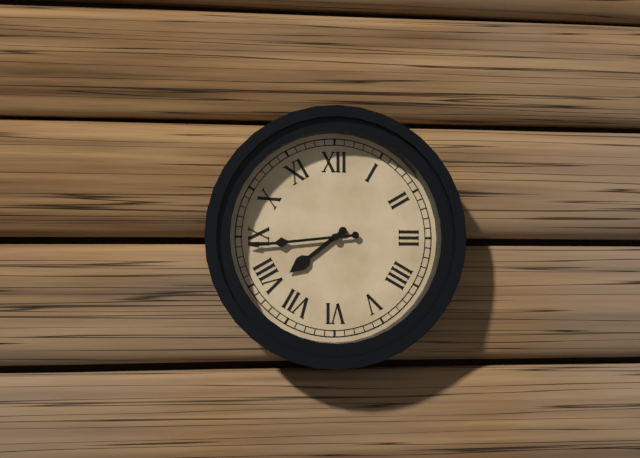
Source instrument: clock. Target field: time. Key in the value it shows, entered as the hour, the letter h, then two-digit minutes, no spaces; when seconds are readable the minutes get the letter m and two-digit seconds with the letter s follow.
7h44
